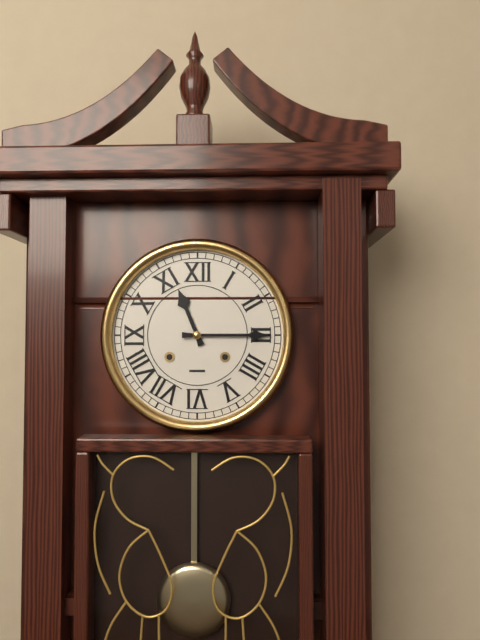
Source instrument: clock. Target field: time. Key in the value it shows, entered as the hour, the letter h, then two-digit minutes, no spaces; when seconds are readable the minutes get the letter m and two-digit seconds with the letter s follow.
11h15
